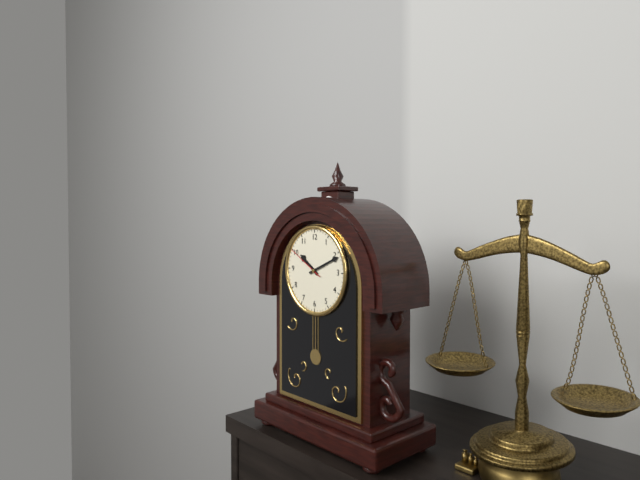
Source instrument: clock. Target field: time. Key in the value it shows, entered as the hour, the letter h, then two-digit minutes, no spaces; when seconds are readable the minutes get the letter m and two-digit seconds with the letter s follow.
10h11
